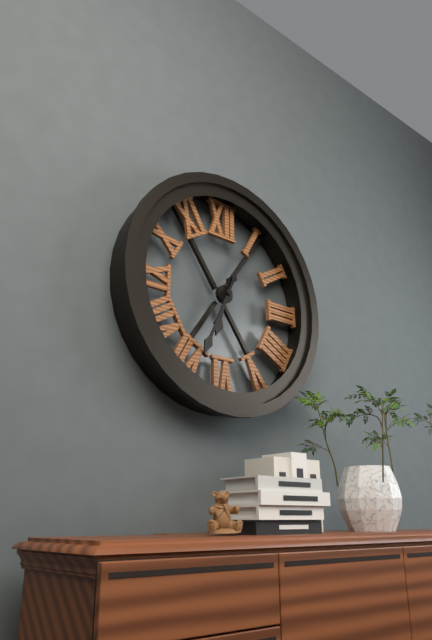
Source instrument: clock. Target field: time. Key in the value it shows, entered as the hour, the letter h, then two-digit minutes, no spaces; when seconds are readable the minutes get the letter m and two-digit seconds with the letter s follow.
6h34
